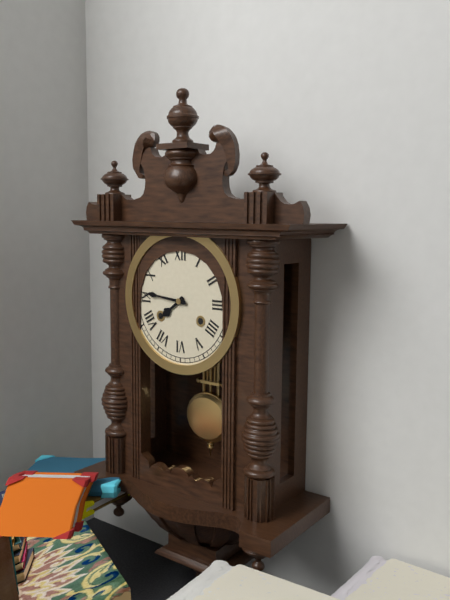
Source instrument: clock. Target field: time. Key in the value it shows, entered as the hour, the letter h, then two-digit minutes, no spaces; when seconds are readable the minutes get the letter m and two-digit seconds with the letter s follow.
7h46
